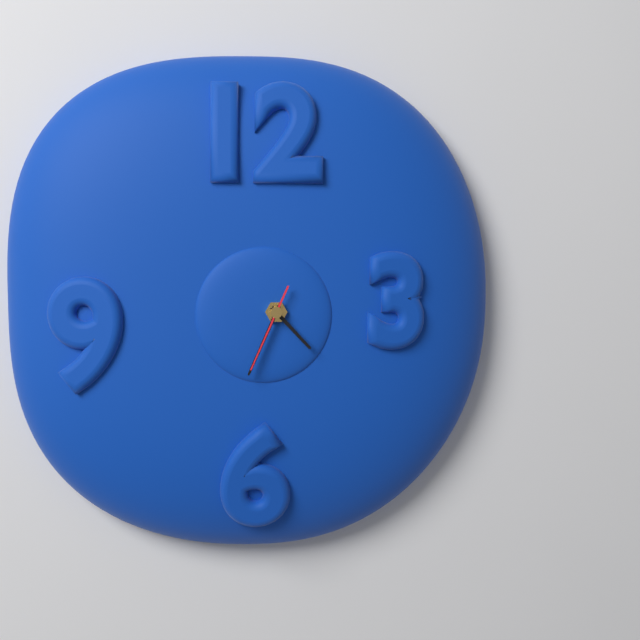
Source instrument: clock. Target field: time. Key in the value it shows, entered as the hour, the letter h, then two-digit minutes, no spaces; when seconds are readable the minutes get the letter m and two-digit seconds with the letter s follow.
4h34m34s
